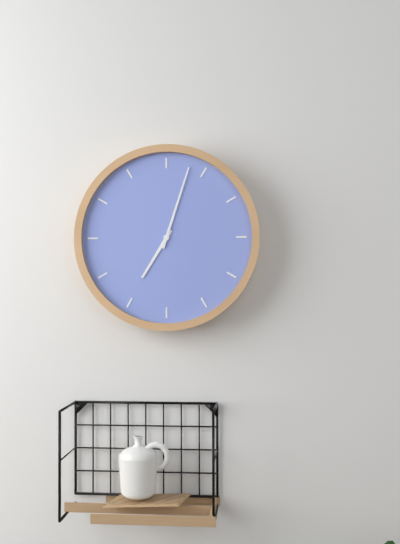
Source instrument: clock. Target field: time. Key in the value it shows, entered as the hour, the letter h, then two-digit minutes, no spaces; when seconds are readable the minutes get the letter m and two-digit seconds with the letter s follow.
7h03
